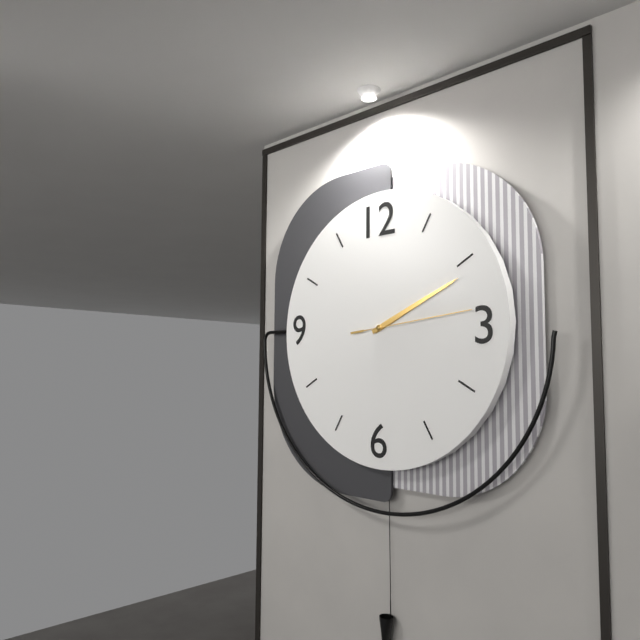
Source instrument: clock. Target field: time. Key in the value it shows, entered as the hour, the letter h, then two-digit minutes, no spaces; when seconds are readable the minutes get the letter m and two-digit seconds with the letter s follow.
2h11m14s
